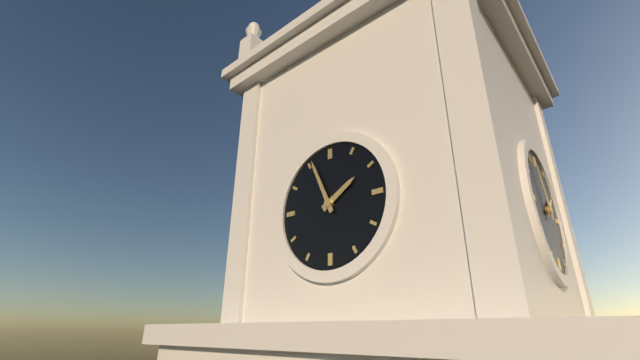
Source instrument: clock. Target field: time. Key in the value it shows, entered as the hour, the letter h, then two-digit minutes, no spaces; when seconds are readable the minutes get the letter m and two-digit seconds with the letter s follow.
1h56
